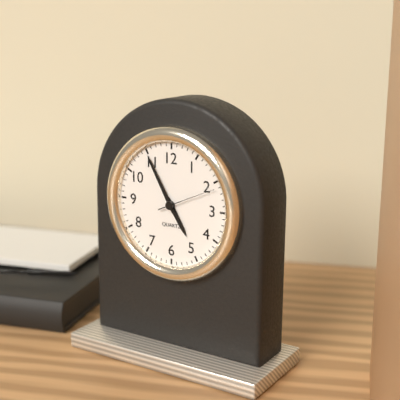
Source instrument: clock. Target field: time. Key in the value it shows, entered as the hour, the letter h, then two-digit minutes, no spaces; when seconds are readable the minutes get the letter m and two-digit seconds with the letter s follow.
4h55m11s
